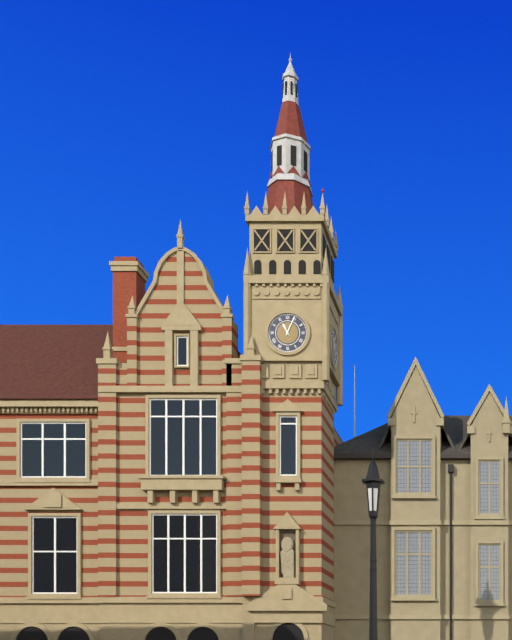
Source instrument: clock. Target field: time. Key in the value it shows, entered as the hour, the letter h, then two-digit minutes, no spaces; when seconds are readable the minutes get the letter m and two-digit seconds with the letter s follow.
11h04
